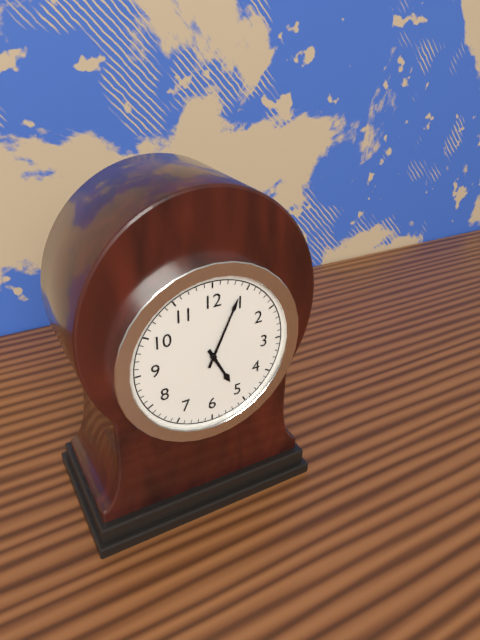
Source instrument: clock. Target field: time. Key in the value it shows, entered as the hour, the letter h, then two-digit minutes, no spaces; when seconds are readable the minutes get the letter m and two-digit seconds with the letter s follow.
5h04
